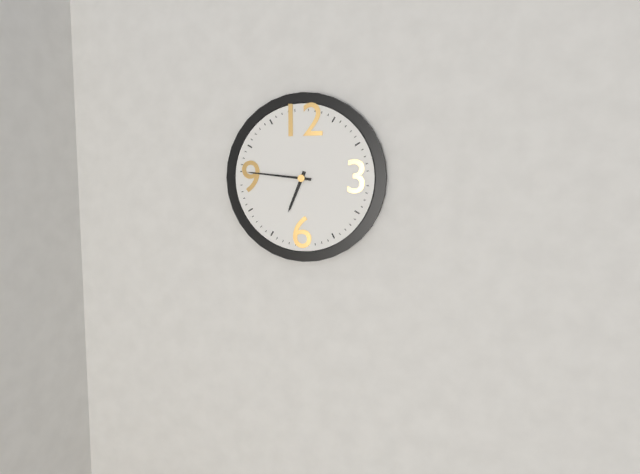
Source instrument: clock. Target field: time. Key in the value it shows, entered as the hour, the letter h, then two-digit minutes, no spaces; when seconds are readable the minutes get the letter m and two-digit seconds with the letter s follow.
6h46
